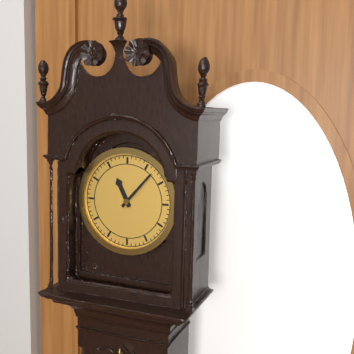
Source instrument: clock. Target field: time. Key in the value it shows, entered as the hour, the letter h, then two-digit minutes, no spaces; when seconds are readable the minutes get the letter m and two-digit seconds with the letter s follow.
11h07
